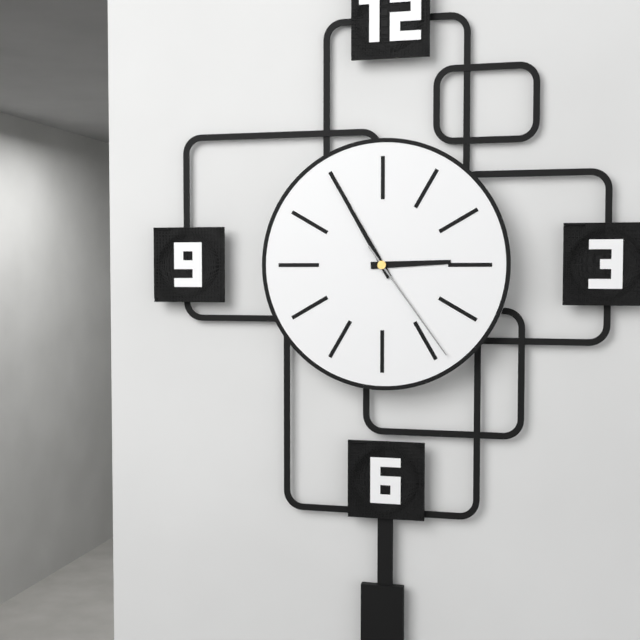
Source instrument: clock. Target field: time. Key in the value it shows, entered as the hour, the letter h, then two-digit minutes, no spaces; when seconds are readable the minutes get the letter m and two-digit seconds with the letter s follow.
2h55m24s
